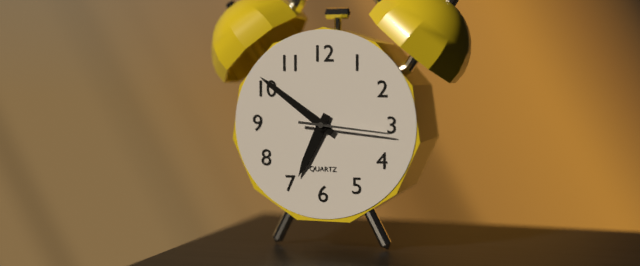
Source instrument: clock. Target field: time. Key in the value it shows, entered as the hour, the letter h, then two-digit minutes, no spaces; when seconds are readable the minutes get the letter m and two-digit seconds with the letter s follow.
6h51m16s
